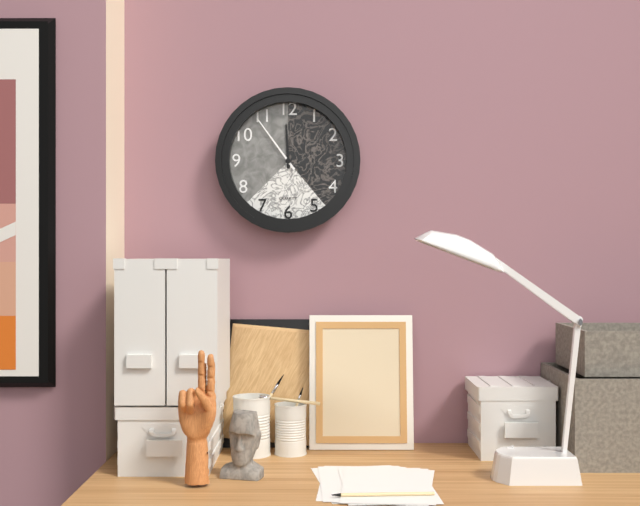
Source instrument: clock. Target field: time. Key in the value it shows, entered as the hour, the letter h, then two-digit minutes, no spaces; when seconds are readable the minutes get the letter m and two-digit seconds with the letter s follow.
11h54
